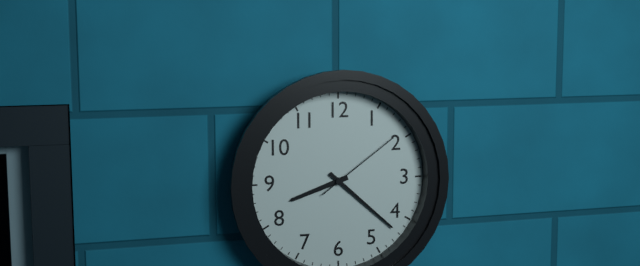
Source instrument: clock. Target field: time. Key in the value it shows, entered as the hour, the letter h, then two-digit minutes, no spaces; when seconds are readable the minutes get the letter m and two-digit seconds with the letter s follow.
8h22m09s
